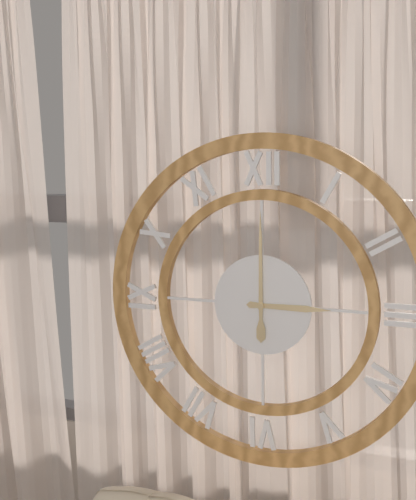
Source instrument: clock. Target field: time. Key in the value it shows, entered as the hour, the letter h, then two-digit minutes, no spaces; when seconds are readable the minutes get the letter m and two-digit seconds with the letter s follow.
3h00
